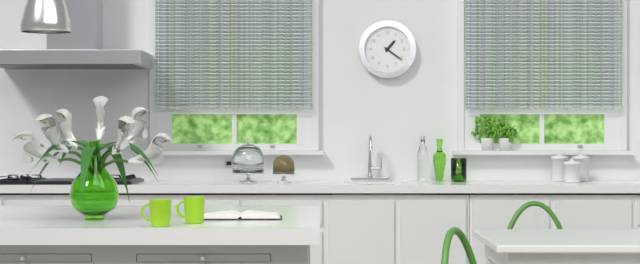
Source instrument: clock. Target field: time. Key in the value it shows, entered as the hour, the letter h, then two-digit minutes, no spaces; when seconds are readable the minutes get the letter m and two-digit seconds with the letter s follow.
1h21
